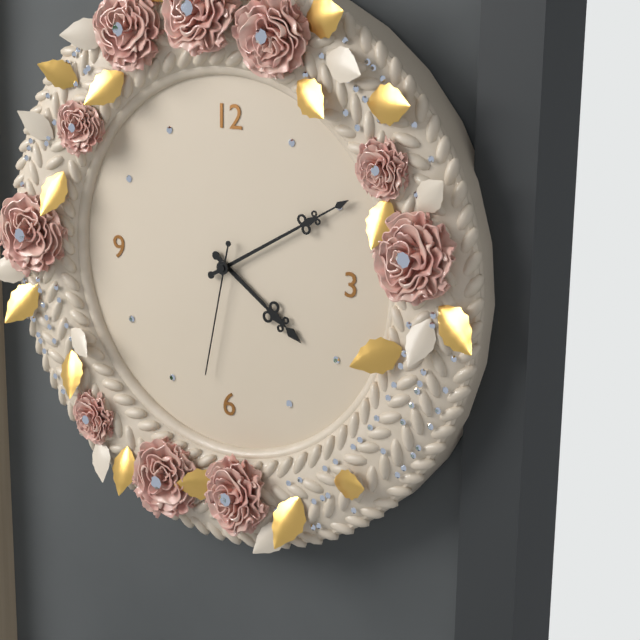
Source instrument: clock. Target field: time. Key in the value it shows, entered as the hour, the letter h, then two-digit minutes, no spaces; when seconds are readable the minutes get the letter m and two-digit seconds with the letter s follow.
4h10m32s
